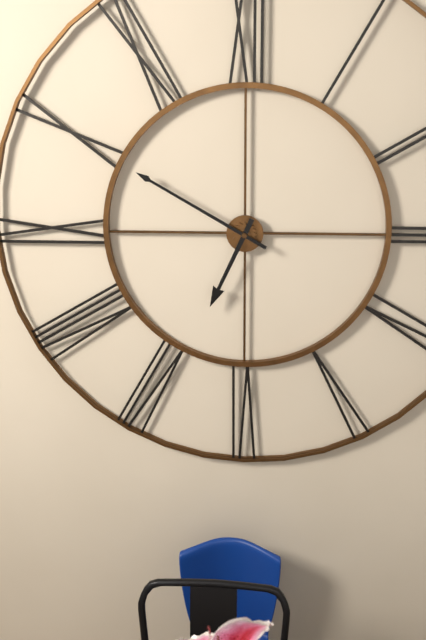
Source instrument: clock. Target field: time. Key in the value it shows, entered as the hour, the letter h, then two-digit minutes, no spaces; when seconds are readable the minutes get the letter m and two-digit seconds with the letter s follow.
6h50
